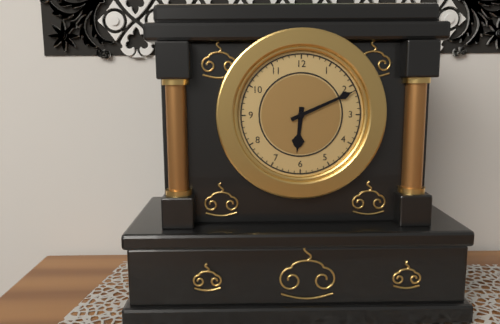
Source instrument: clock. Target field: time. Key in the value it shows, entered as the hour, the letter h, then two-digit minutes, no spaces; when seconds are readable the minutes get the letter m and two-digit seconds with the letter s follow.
6h11
